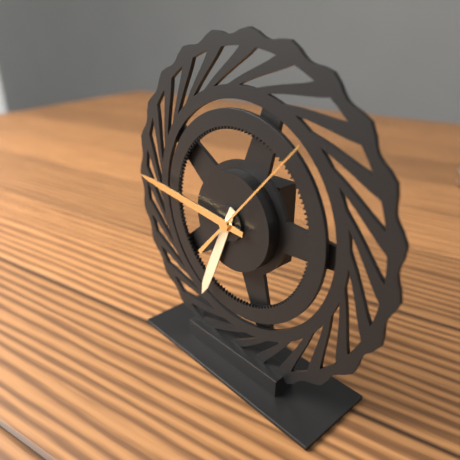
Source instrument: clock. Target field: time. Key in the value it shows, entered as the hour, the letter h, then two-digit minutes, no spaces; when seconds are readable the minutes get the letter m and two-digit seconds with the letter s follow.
6h46m07s
